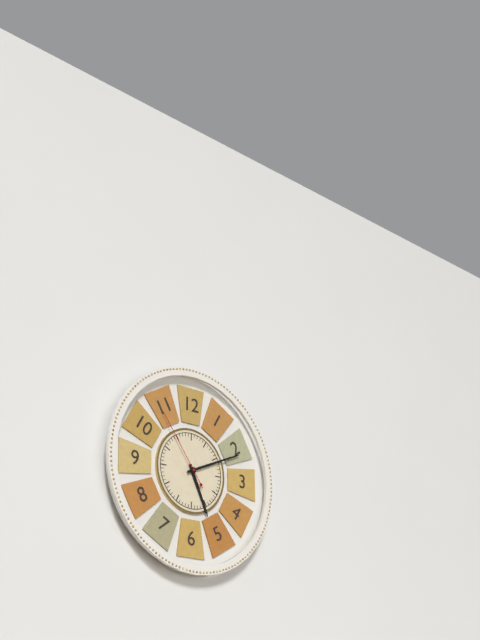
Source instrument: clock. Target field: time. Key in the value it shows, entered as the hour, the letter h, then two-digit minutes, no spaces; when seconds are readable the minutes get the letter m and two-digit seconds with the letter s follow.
5h11m54s
